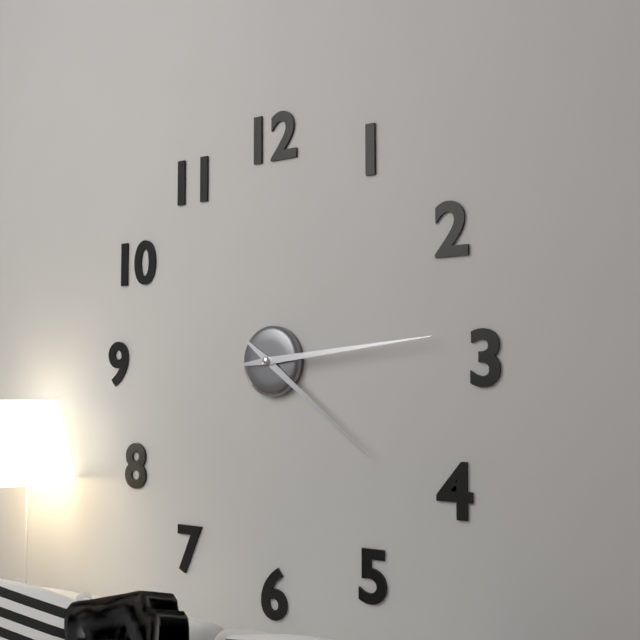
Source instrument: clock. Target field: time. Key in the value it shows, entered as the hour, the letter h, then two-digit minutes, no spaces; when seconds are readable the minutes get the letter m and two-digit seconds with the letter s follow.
4h14
